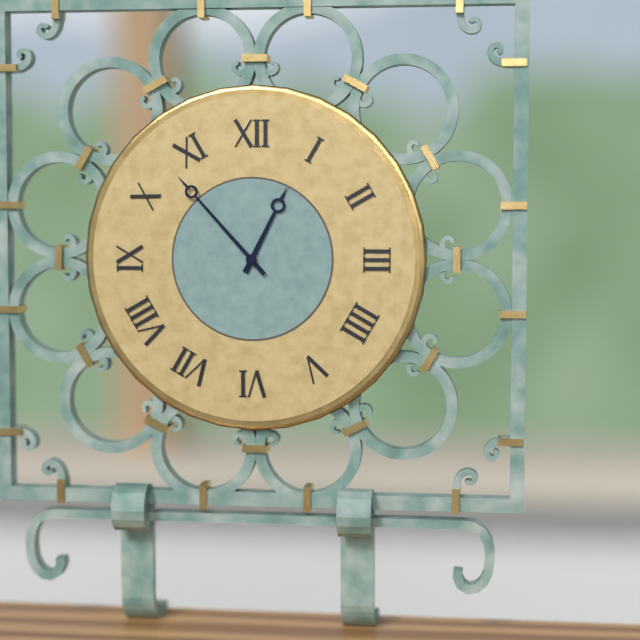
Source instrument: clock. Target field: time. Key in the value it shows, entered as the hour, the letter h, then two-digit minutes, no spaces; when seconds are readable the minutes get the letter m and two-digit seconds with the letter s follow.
12h53
